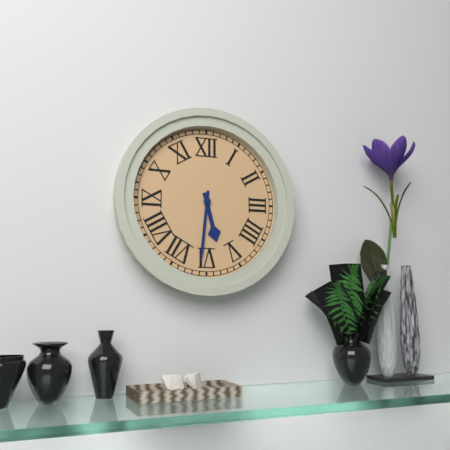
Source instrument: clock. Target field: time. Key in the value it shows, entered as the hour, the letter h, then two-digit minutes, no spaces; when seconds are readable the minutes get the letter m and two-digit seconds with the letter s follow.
5h31
